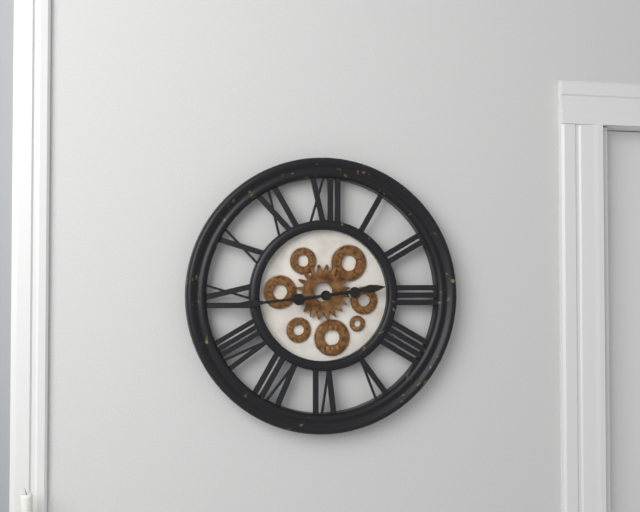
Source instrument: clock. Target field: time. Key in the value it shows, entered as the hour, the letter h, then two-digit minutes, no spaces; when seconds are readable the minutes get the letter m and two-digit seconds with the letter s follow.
2h44
